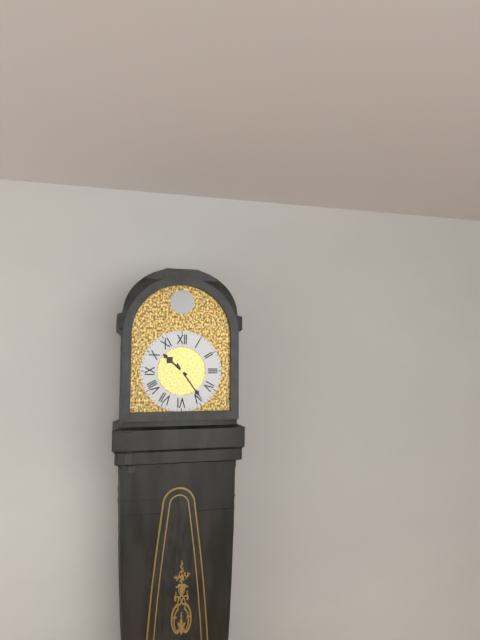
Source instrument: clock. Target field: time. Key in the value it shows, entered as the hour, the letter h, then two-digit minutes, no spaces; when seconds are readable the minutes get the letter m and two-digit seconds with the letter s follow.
10h24
